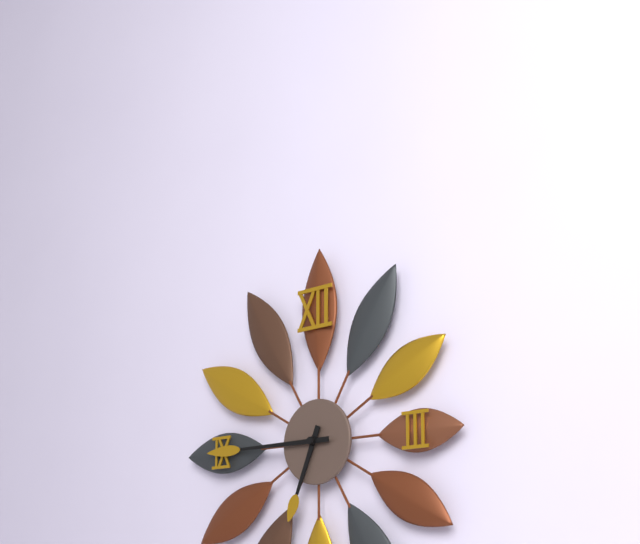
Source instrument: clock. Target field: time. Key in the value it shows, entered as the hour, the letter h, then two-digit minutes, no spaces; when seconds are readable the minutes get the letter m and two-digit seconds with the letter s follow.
6h45
